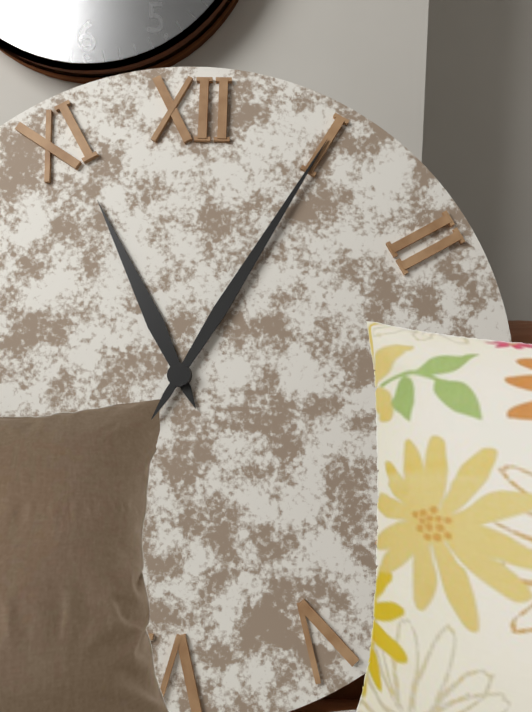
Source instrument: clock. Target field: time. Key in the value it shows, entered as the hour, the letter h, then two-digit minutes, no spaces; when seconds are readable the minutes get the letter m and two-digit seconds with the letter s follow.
11h05
